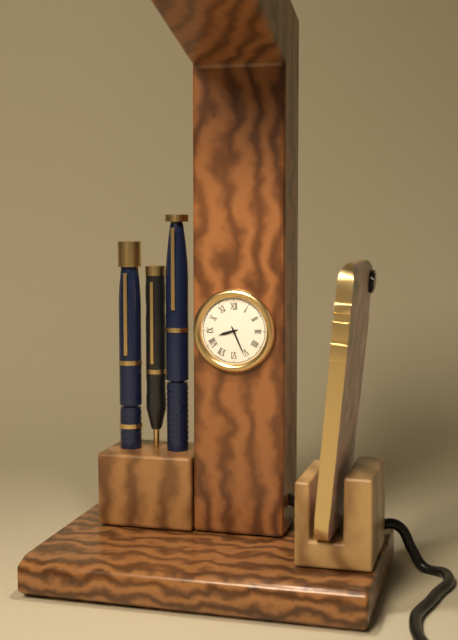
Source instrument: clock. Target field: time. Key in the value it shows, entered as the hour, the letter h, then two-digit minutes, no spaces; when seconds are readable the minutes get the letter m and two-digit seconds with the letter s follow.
8h26
